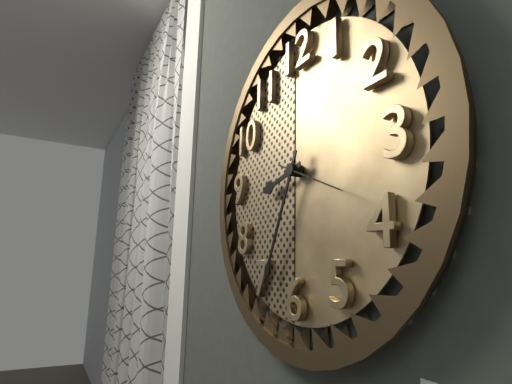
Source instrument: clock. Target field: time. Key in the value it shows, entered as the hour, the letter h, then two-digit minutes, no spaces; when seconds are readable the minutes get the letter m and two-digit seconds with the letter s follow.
8h34m19s
